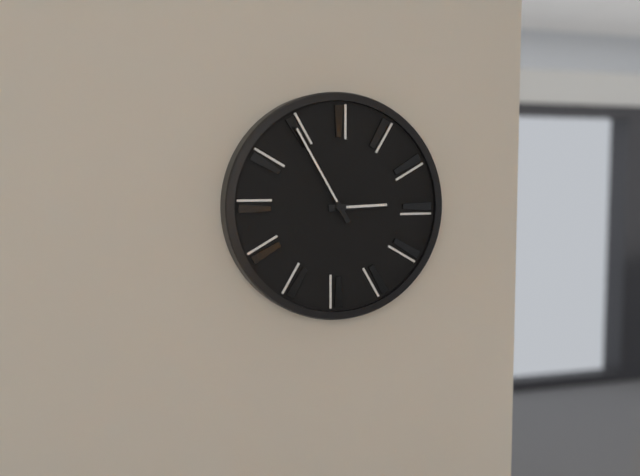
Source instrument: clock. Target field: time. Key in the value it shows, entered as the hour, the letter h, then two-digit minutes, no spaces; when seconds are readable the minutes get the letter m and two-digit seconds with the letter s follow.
2h55
